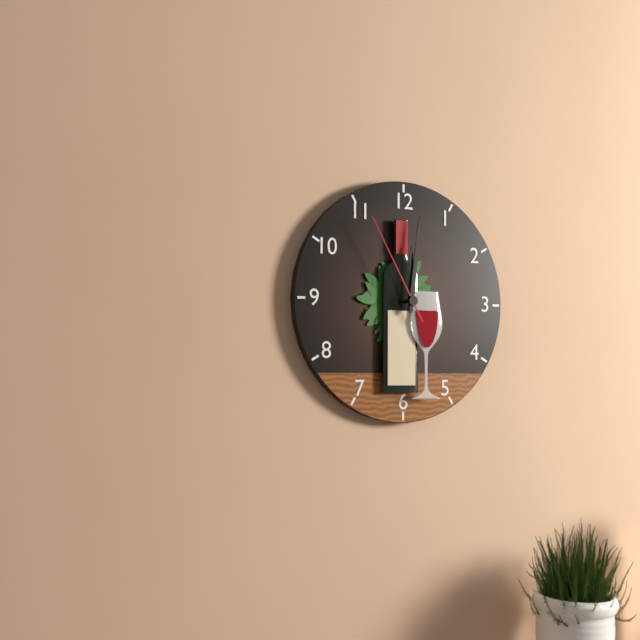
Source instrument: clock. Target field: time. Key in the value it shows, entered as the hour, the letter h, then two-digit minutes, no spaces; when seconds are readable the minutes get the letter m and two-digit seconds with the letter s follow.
12h01m55s
